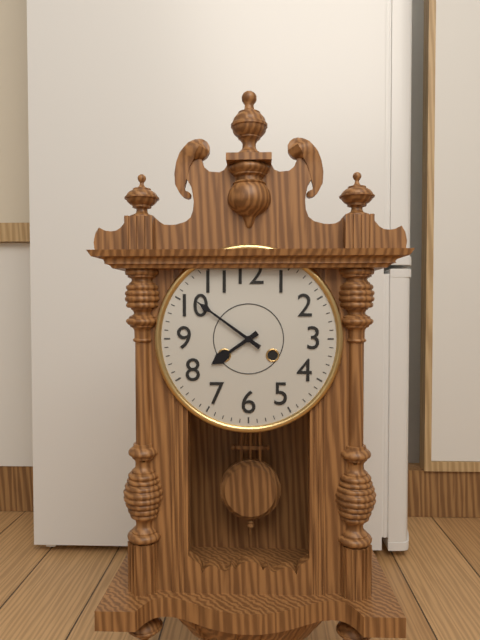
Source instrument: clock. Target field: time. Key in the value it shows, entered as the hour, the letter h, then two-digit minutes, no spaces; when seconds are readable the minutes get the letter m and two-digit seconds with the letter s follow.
7h51
